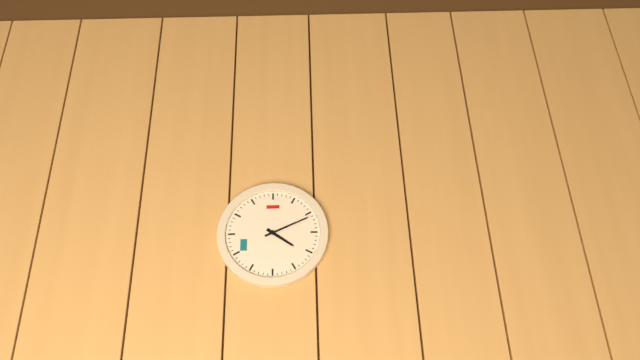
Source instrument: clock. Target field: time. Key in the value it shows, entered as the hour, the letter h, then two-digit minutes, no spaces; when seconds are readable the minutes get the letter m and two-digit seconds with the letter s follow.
4h11
